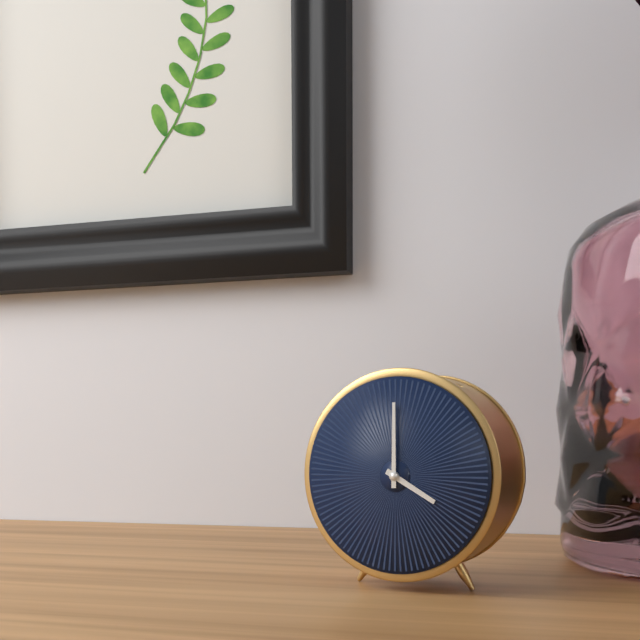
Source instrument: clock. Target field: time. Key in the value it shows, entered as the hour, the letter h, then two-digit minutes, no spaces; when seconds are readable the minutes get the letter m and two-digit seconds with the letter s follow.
4h00
